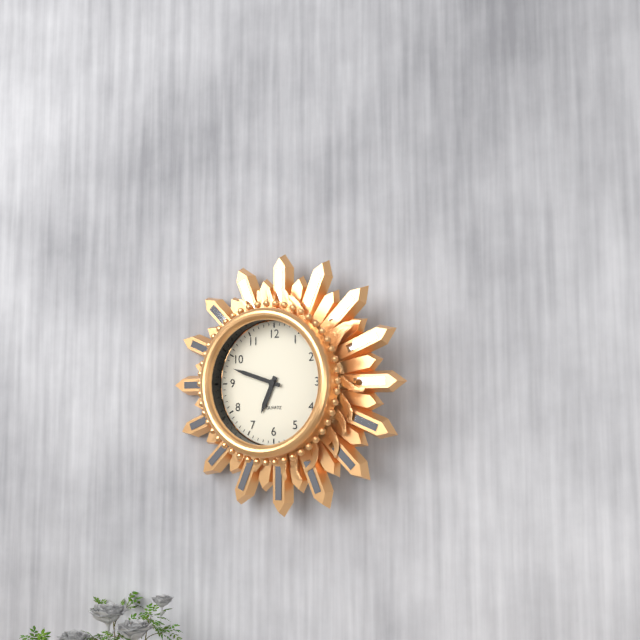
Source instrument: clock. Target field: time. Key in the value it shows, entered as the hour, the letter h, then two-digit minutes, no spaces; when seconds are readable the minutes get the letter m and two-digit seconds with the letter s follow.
6h48
